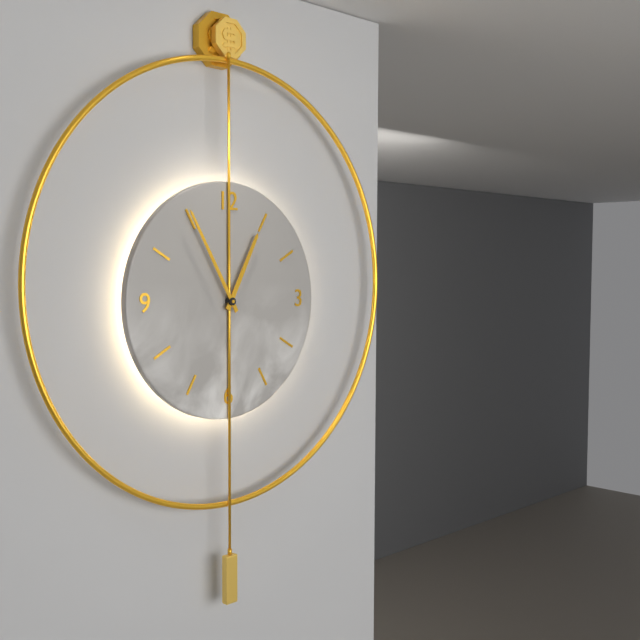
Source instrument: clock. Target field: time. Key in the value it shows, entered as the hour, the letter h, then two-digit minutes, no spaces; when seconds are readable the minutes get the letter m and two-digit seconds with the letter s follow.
12h55
